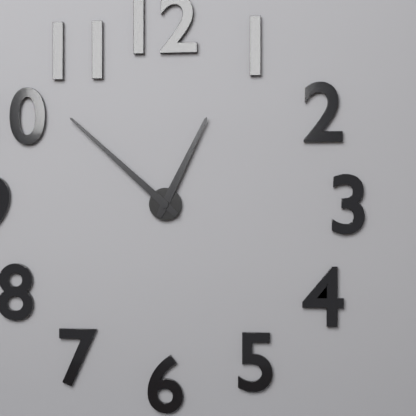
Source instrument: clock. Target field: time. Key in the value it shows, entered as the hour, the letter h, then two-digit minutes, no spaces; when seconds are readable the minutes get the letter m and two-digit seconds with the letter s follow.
12h52
